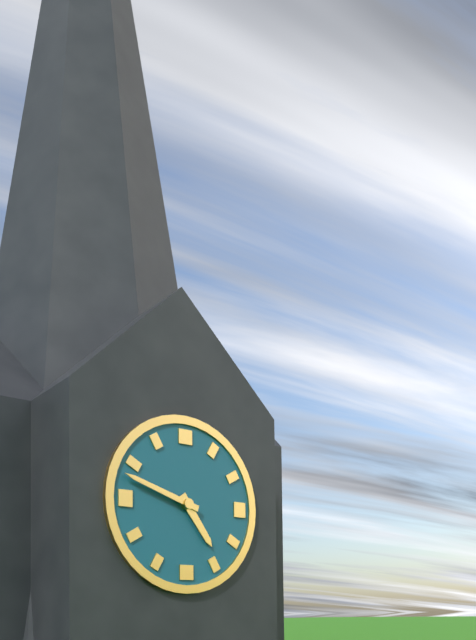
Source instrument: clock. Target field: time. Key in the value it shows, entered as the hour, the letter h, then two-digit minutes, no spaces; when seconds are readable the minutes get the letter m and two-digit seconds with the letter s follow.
4h48
